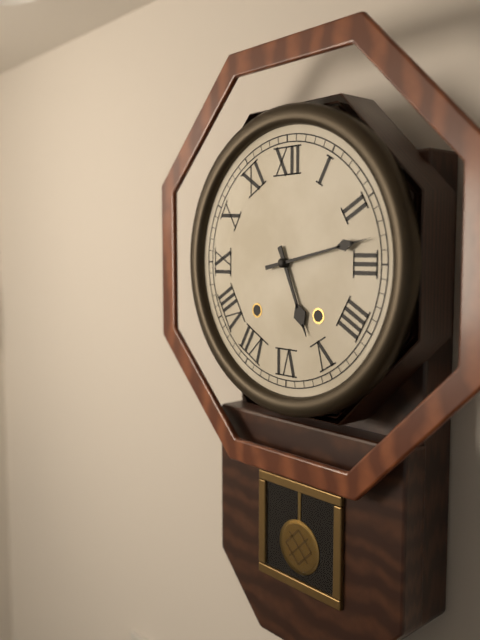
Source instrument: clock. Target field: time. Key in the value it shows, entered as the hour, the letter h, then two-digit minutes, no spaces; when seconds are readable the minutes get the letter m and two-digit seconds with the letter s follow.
5h13
